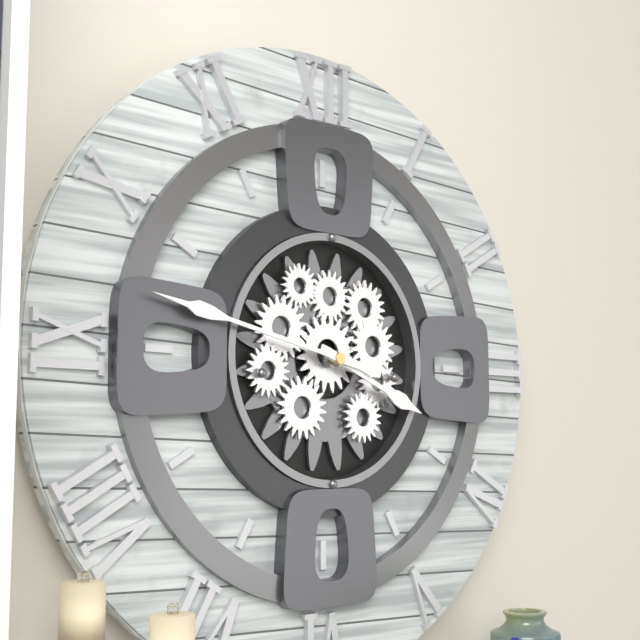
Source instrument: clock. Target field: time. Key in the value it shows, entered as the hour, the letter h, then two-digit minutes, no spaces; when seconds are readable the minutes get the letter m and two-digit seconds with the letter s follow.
3h47
